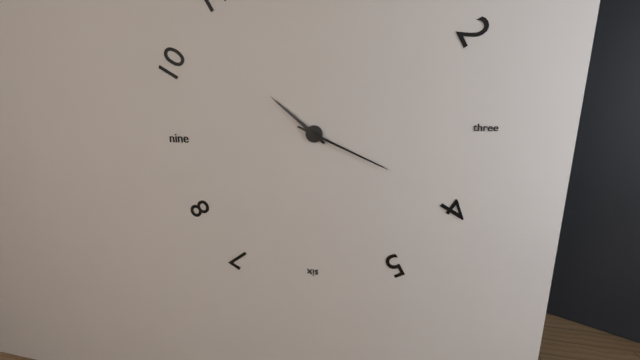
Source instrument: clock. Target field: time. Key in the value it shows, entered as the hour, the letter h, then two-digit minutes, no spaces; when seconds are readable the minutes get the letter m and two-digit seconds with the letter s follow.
10h19
